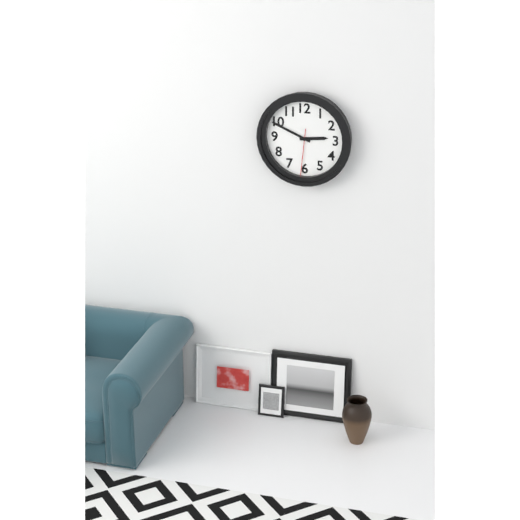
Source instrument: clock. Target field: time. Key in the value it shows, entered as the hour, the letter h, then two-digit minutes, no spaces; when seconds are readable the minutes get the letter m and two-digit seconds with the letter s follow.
2h49
